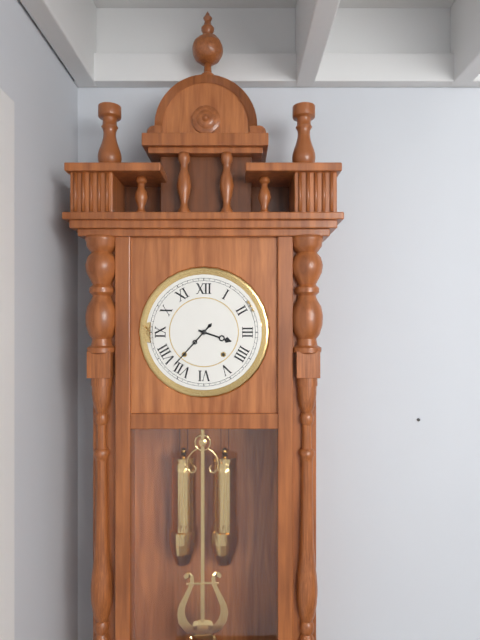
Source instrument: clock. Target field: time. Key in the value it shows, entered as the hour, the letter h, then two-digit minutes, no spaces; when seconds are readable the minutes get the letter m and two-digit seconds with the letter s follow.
3h37
